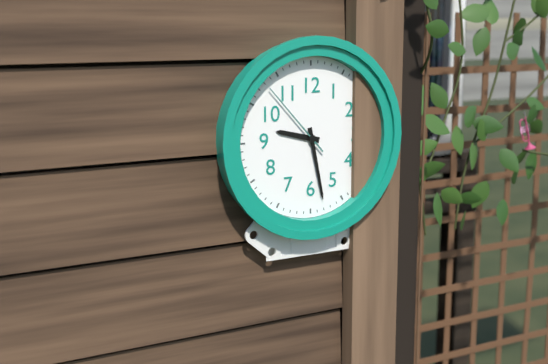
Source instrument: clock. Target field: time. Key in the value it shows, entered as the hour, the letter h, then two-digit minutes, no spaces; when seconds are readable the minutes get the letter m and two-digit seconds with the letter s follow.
9h28m53s
